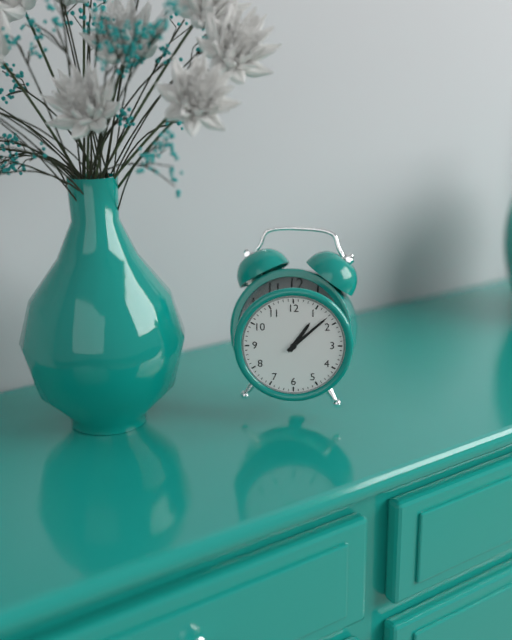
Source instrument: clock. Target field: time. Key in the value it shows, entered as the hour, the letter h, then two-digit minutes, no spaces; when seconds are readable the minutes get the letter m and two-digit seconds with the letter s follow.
1h08
